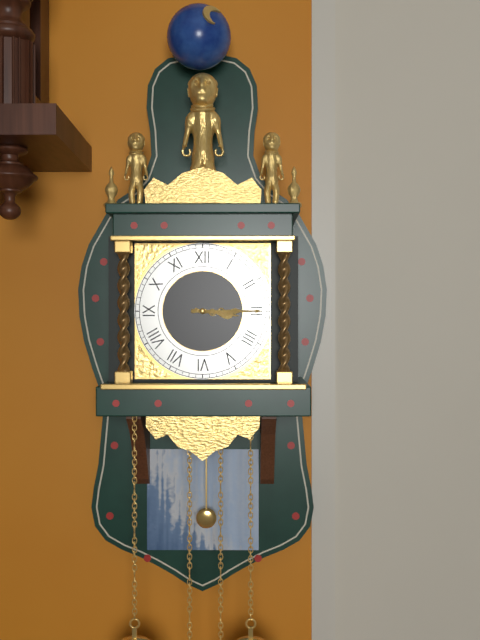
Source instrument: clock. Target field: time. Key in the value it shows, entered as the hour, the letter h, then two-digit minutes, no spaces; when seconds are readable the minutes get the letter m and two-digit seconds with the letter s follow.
3h15
